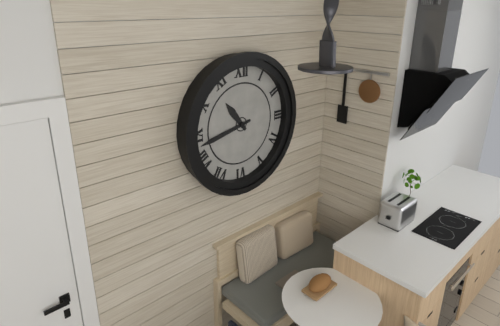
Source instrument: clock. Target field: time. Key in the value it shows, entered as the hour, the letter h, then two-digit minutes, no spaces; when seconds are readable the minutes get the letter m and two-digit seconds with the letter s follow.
10h43
